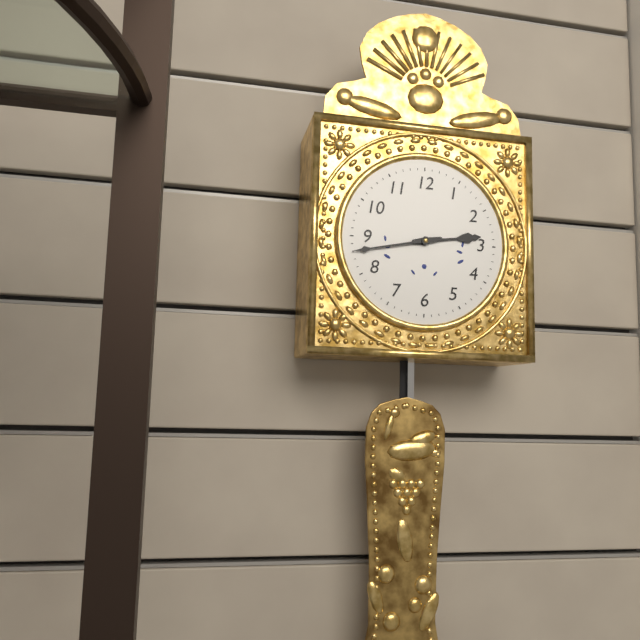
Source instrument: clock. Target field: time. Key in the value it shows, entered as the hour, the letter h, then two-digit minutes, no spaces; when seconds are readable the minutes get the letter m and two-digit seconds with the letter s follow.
2h43
